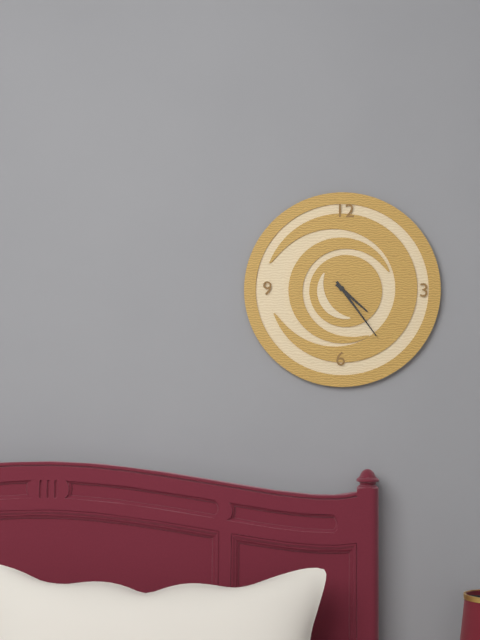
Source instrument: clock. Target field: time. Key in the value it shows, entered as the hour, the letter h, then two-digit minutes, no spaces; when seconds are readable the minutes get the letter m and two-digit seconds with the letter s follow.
4h24
